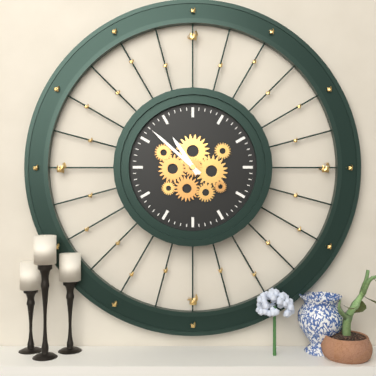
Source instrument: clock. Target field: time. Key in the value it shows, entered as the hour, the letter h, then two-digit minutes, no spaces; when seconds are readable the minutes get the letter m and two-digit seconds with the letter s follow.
10h52
